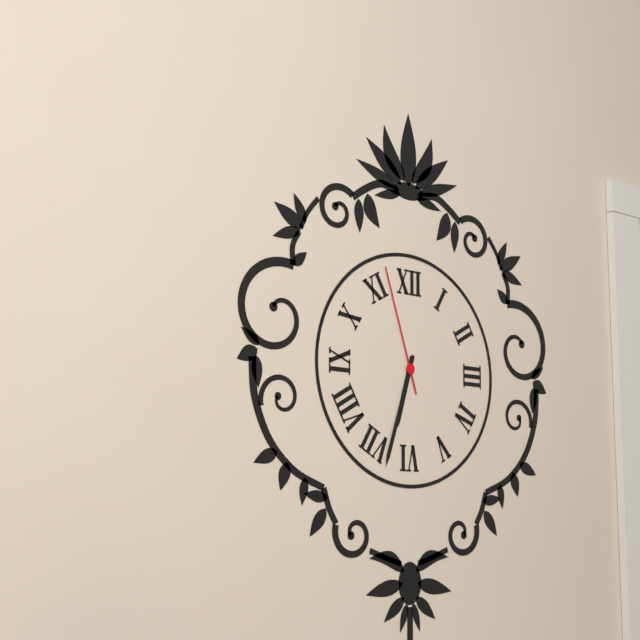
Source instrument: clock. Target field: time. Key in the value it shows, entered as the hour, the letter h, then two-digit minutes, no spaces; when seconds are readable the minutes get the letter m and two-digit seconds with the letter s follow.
6h33m57s
